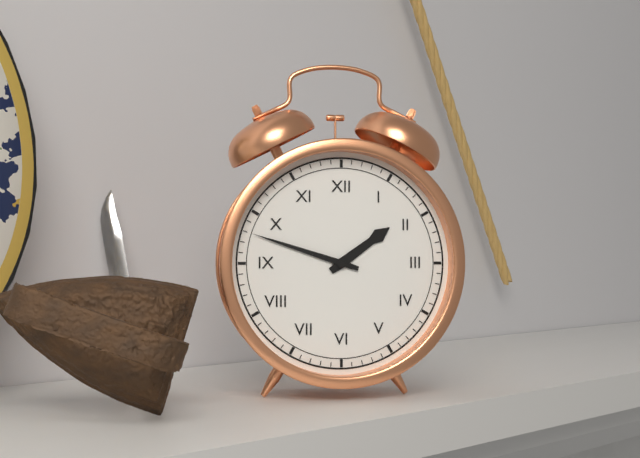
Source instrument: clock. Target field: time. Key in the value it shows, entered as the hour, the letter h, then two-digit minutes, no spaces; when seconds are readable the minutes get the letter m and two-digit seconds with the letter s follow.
1h48
